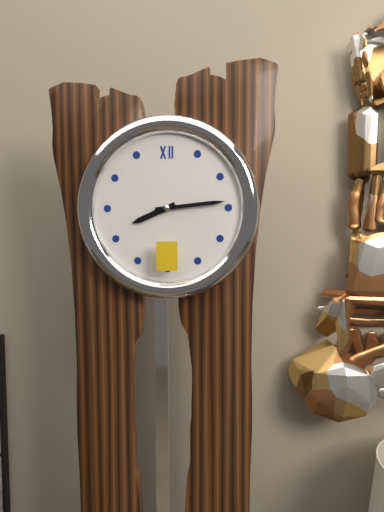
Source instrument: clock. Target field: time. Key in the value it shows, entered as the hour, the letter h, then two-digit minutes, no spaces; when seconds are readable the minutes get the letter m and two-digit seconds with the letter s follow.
8h14
